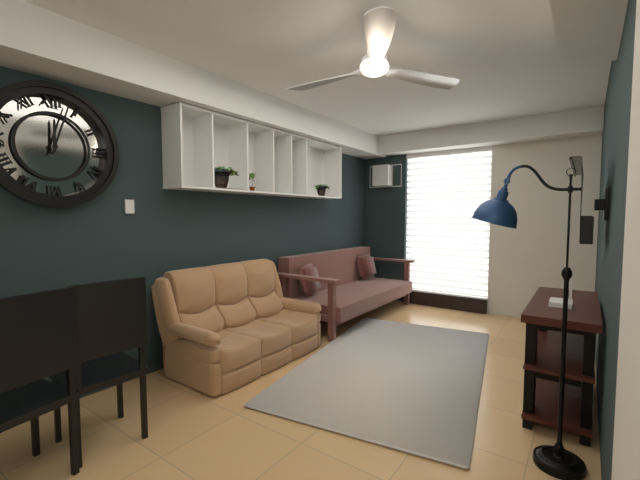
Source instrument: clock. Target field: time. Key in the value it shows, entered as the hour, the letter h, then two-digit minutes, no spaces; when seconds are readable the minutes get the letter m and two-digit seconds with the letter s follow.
12h03
